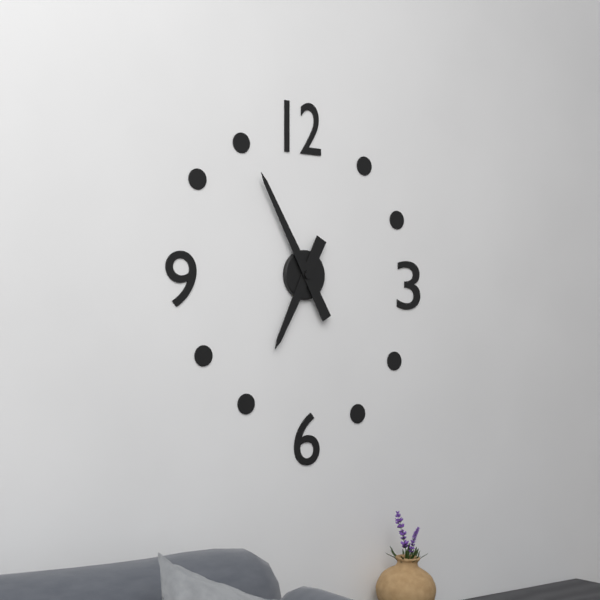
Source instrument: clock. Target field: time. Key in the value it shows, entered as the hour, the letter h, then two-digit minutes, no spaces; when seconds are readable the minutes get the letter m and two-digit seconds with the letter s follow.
6h55
